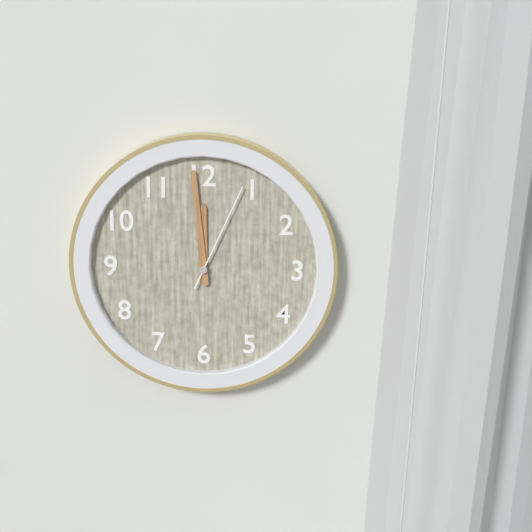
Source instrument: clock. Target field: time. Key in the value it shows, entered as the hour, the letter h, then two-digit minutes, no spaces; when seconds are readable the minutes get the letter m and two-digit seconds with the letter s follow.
11h59m04s
